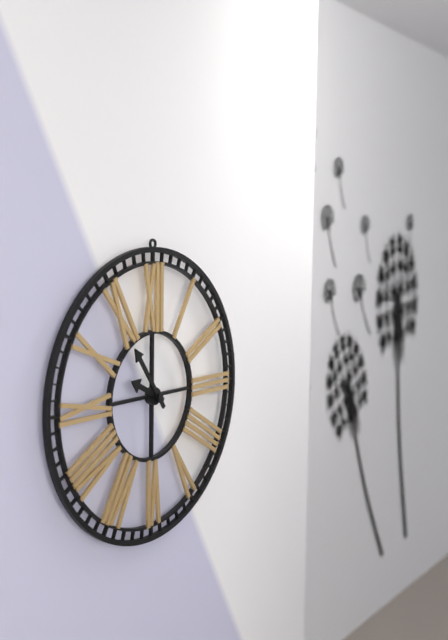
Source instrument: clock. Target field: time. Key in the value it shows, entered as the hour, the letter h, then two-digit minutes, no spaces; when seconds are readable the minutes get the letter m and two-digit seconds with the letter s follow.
9h54
